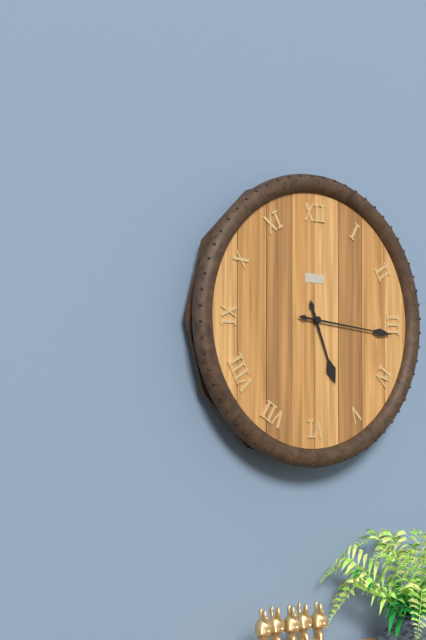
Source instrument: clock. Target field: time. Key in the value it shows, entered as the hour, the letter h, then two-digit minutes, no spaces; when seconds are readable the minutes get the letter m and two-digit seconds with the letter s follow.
5h16
